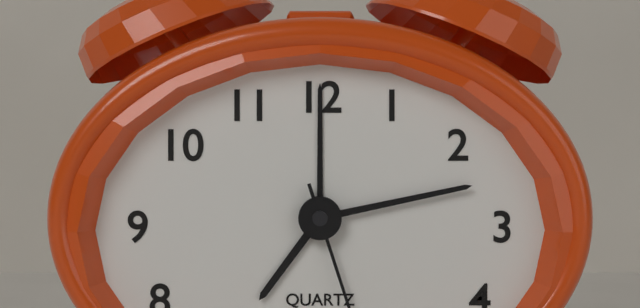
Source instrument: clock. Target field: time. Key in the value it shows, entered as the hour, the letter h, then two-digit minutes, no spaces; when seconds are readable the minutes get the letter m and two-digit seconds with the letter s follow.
7h13
